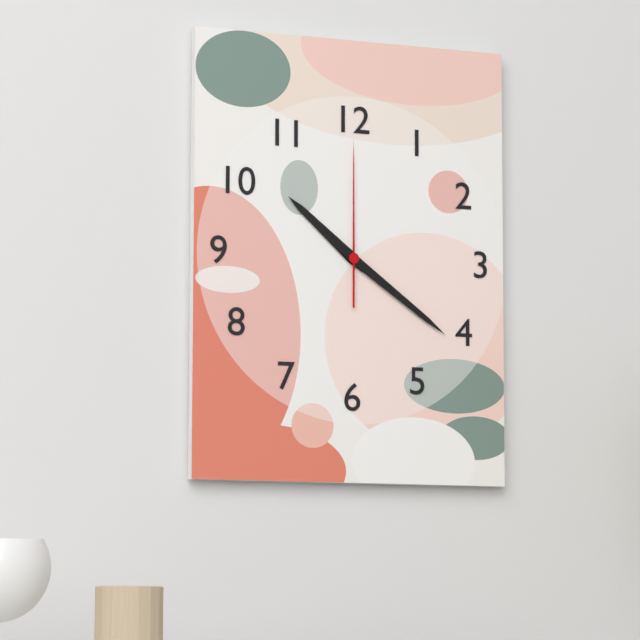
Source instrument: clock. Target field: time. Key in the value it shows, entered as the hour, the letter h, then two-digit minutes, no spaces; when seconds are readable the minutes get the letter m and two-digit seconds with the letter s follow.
10h21m00s
